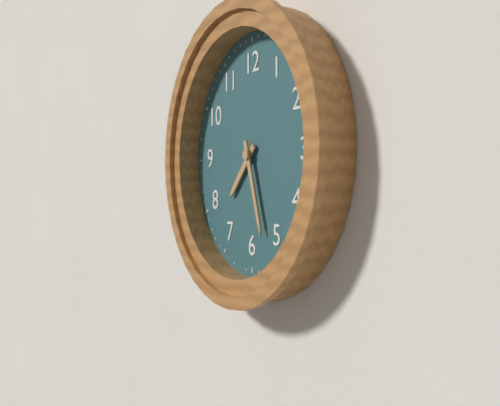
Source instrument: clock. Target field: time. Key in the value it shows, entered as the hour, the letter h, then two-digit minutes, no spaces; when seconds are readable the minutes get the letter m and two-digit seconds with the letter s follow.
7h27
